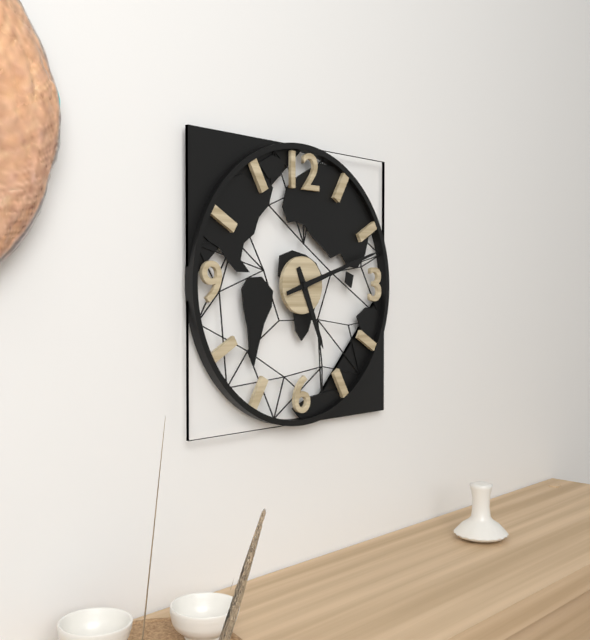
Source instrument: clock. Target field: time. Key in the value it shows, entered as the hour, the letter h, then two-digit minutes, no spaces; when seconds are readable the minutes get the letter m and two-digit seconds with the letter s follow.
5h12
